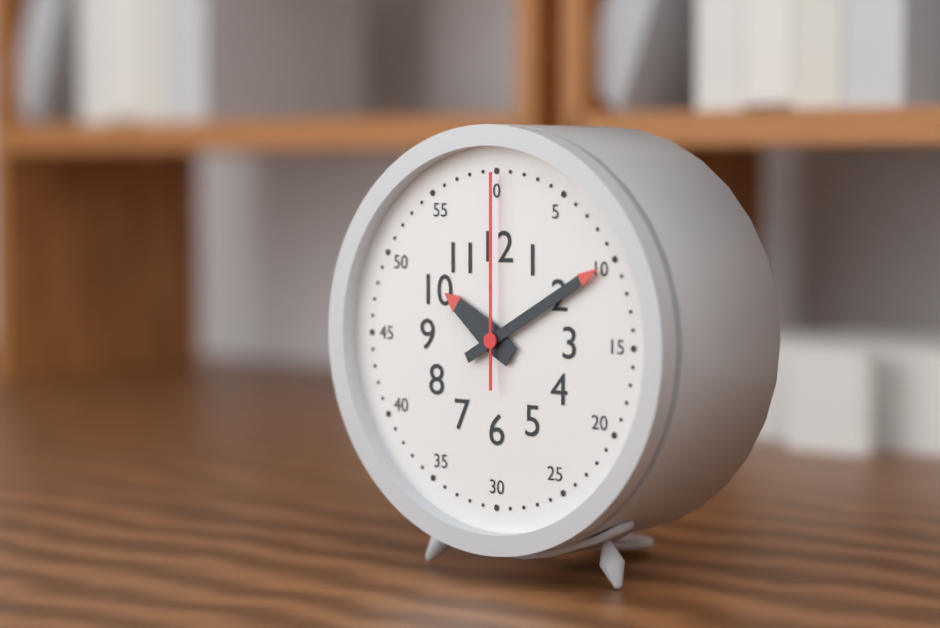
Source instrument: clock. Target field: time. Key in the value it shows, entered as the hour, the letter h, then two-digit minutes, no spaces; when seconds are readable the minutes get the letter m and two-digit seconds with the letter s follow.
10h10m00s
